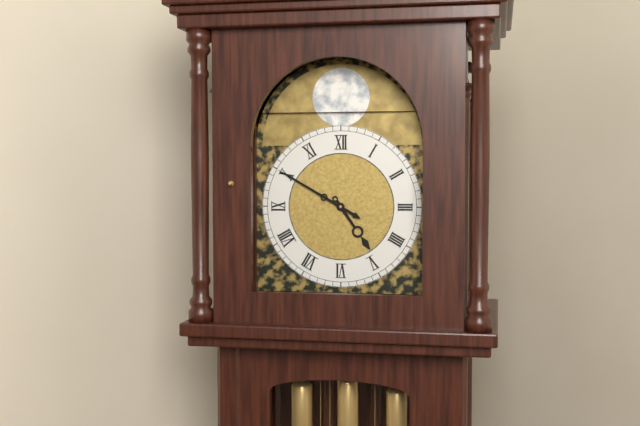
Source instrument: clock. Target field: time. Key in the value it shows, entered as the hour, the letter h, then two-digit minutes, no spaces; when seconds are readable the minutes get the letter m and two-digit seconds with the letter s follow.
4h50
